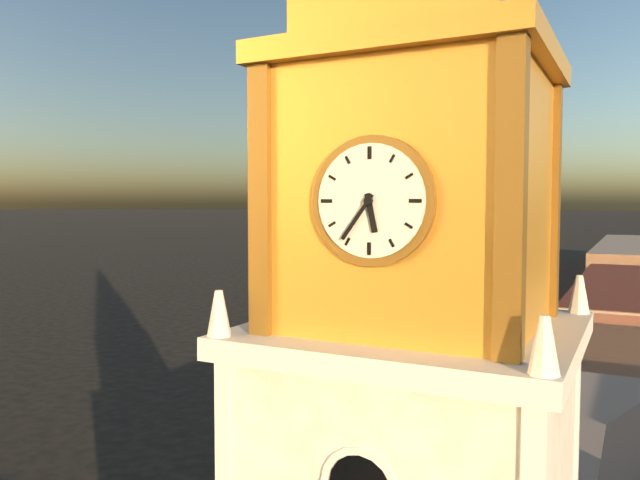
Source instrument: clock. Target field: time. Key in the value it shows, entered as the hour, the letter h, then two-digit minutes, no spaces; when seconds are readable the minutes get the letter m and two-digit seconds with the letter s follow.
5h36
